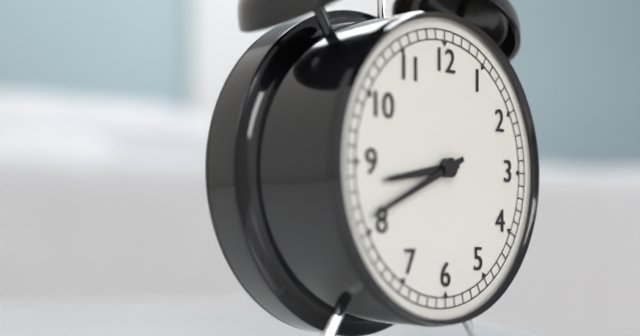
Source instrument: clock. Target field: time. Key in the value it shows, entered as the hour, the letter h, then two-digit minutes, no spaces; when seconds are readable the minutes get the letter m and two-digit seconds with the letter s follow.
8h41
